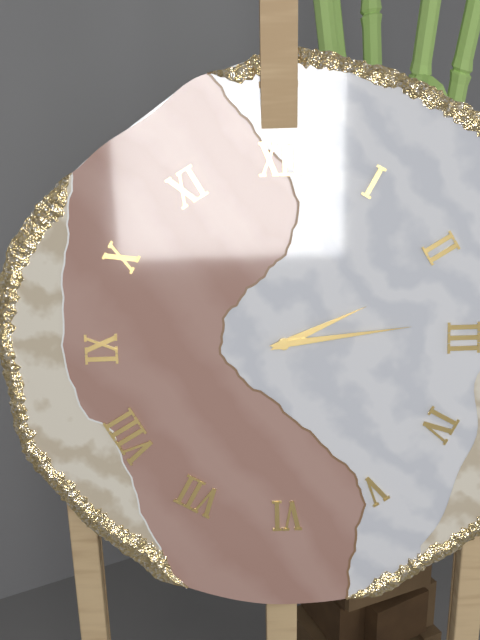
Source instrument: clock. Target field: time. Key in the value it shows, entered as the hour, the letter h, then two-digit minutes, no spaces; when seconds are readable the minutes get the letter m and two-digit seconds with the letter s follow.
2h14
